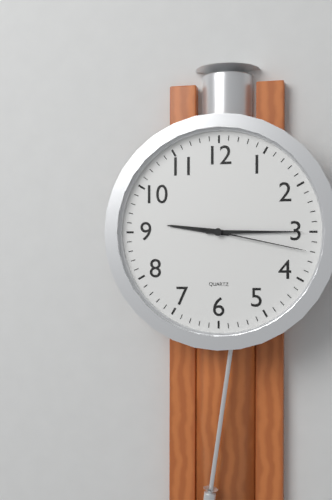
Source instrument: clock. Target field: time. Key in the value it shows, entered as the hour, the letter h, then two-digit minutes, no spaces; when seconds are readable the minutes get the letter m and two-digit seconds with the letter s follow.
9h15m17s
